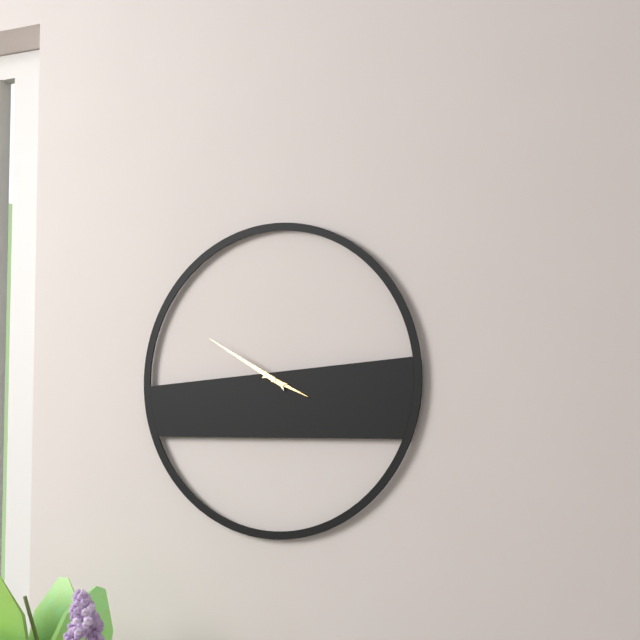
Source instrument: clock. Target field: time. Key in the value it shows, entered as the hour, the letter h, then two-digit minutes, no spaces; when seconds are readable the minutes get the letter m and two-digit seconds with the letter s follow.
3h50
